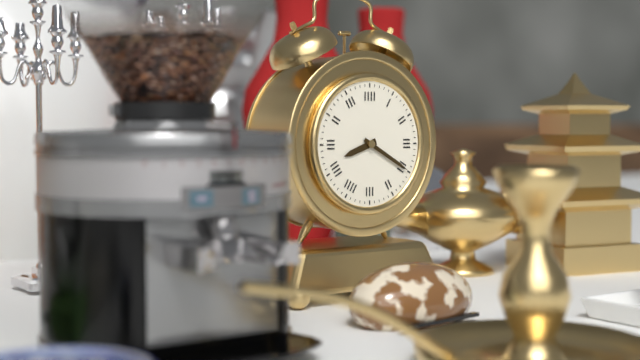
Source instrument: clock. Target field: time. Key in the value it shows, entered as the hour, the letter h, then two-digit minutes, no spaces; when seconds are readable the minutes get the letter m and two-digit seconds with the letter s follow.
8h20
